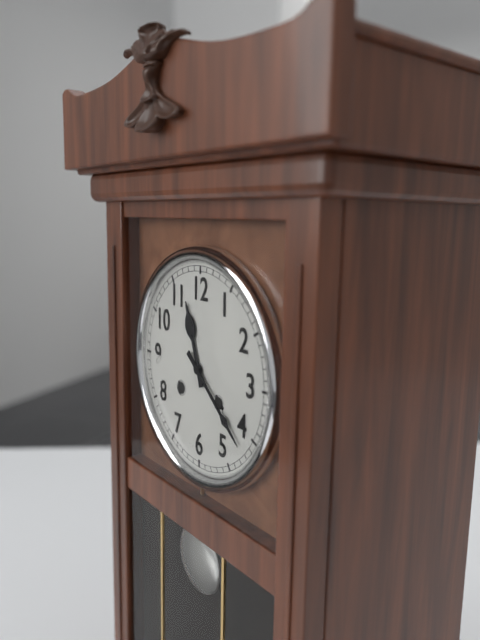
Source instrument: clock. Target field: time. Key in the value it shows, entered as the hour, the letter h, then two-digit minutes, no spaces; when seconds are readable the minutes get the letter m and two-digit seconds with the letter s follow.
11h22
